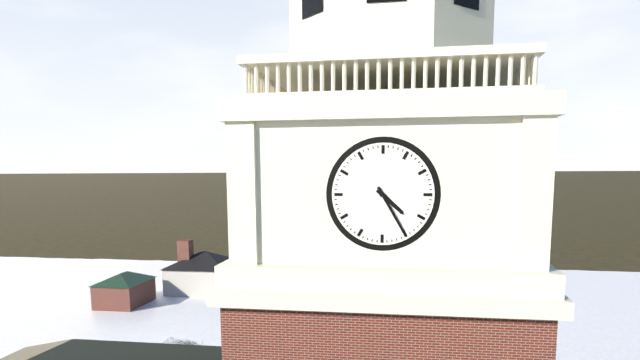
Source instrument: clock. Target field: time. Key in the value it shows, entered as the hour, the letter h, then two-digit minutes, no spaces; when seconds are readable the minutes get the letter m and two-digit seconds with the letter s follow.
4h25
